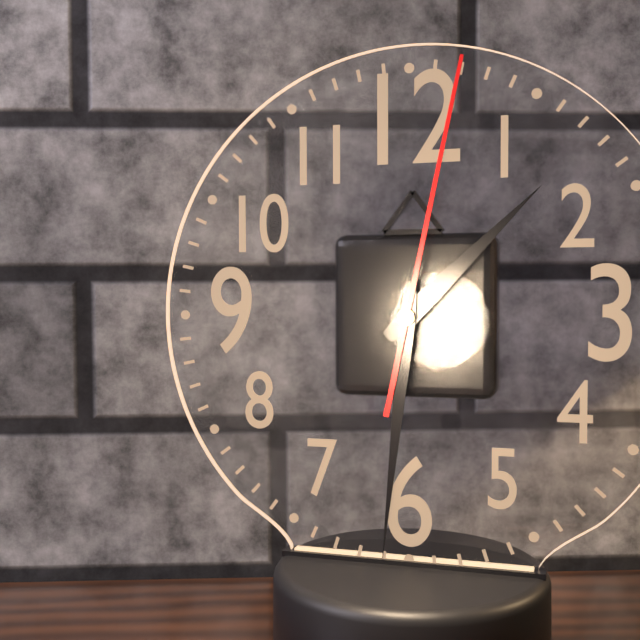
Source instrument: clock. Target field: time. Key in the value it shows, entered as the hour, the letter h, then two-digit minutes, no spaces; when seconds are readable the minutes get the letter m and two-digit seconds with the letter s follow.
1h31m02s
